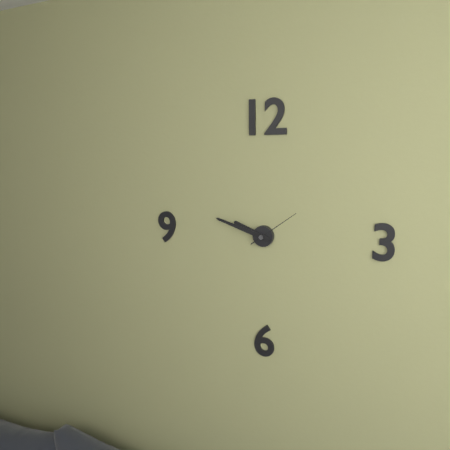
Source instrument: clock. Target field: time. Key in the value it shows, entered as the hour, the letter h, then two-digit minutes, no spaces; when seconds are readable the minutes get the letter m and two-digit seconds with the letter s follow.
9h48m09s
